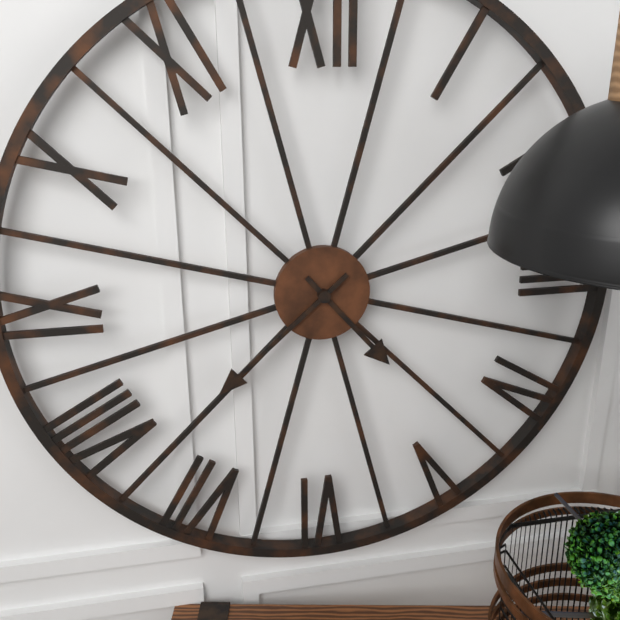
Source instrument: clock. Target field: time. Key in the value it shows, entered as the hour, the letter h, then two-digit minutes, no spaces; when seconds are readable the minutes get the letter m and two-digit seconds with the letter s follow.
4h38
